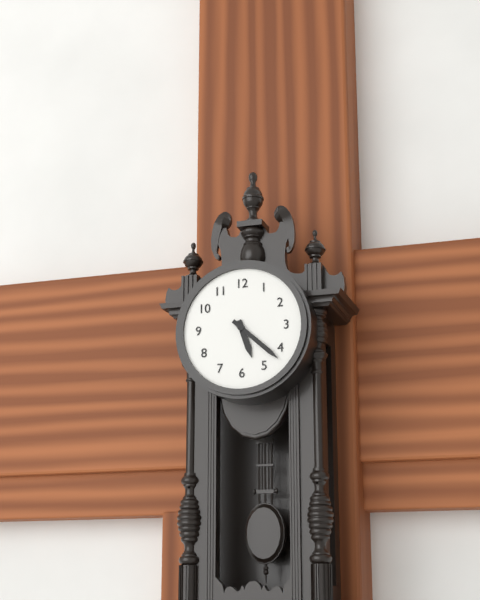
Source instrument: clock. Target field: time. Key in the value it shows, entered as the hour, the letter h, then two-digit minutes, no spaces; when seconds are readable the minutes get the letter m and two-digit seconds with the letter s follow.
5h22
